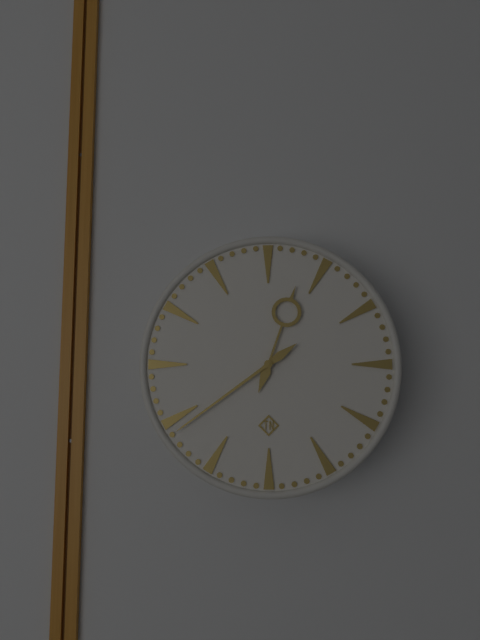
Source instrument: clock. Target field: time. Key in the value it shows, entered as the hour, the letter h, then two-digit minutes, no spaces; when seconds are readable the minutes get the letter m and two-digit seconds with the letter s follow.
12h39
